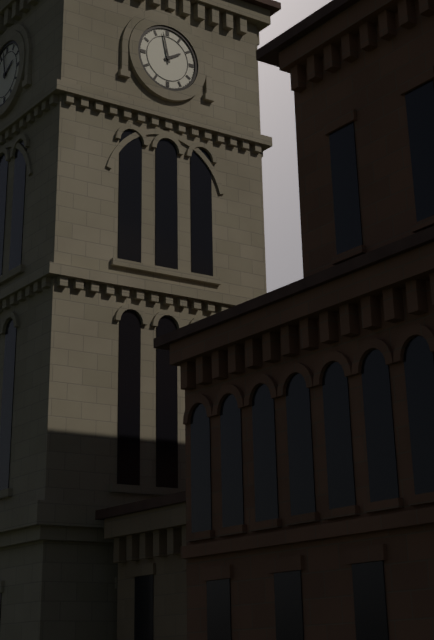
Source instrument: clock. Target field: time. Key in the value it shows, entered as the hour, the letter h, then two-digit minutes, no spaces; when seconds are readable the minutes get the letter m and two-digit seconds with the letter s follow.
1h58
